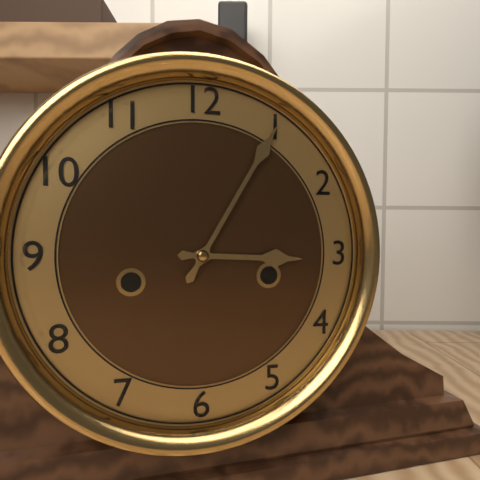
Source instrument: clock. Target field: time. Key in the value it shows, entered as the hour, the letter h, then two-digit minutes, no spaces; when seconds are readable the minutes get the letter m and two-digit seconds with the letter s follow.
3h05
